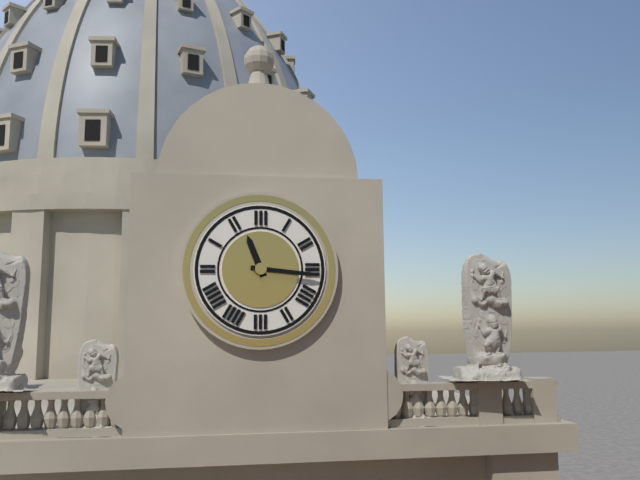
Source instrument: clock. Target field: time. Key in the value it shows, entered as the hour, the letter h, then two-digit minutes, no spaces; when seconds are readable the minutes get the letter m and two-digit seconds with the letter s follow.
11h16
